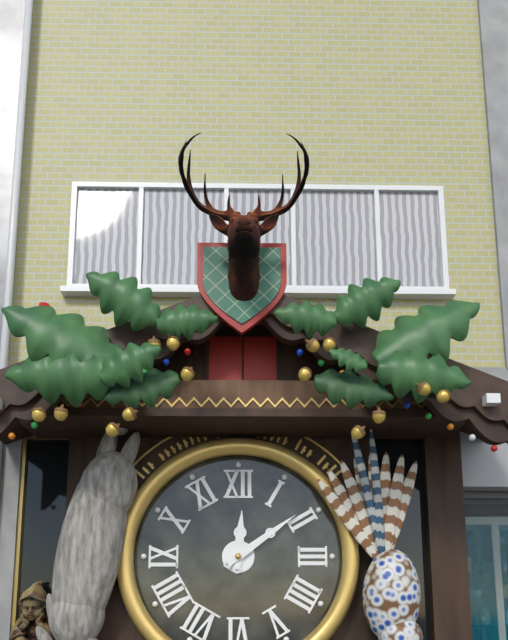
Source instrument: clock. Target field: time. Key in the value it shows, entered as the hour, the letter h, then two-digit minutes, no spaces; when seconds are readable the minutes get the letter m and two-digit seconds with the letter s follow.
12h09
